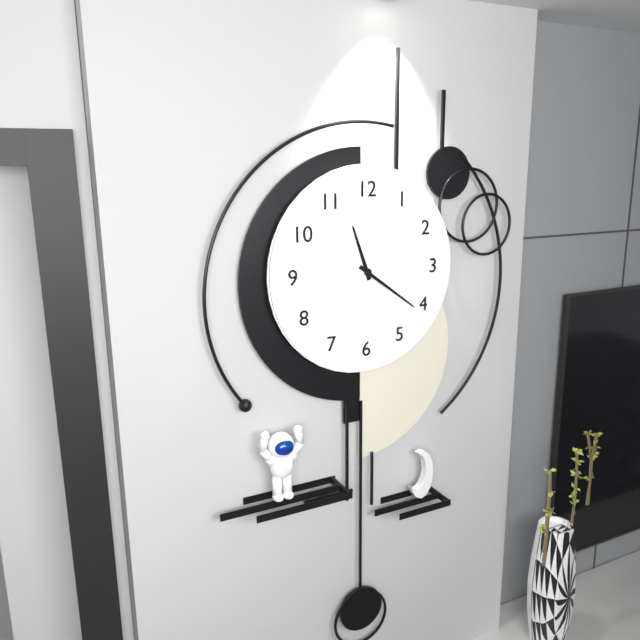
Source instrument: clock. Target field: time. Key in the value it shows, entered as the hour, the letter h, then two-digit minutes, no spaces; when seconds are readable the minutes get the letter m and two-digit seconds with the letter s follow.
11h21
